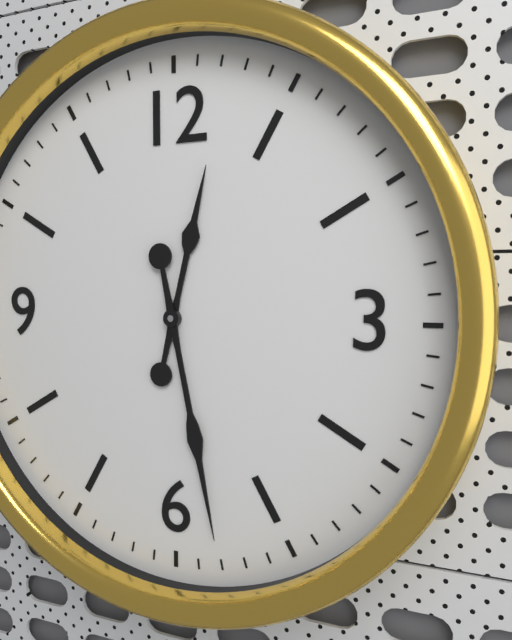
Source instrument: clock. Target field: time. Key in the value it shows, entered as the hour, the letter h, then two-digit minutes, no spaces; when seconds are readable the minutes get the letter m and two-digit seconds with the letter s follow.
12h28
